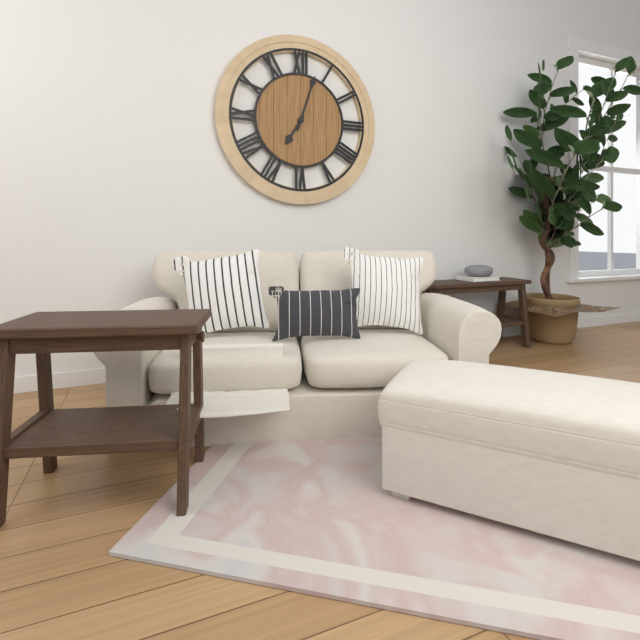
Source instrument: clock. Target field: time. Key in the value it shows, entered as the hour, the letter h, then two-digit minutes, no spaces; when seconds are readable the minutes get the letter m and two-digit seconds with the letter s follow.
7h03
